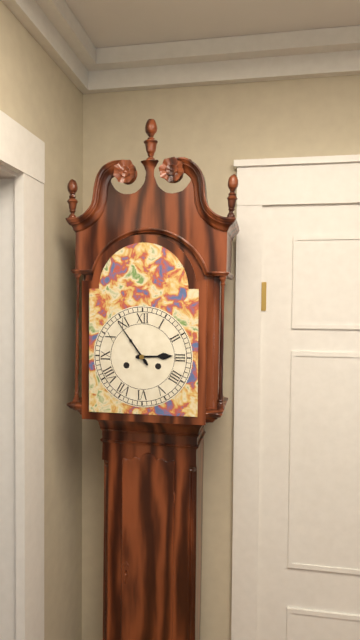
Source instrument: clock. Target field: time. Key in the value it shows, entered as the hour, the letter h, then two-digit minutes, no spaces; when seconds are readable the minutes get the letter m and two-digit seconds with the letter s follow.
2h54
